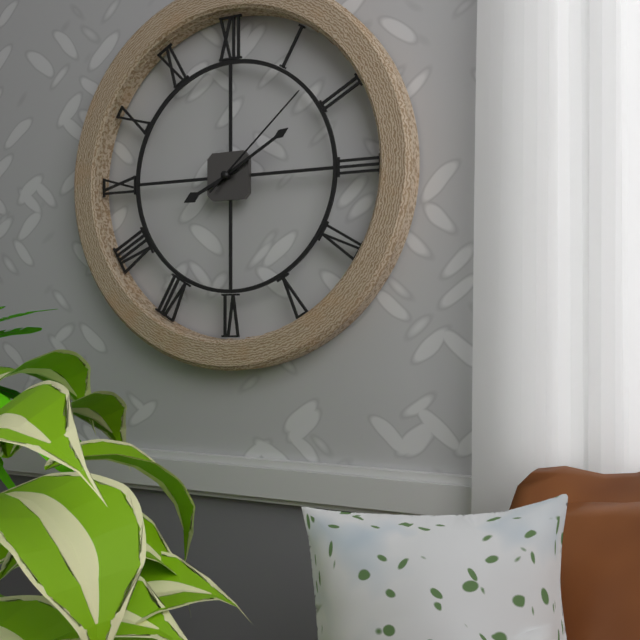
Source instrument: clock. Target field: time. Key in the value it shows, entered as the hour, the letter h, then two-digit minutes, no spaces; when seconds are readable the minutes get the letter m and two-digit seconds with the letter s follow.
8h10m08s
